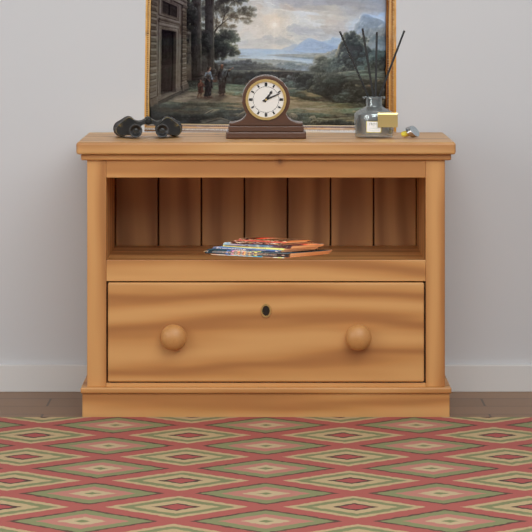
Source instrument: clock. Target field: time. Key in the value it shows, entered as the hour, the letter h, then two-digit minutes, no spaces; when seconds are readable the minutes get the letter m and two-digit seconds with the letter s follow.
1h11
